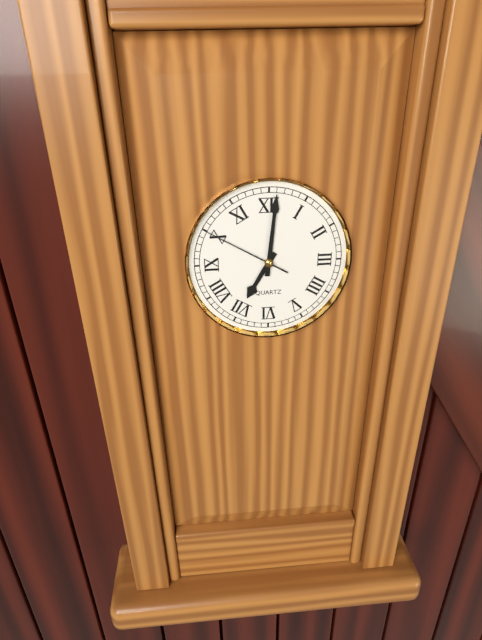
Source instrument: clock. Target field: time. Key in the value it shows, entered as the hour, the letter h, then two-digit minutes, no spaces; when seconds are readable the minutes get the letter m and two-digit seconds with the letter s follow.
7h01m50s
